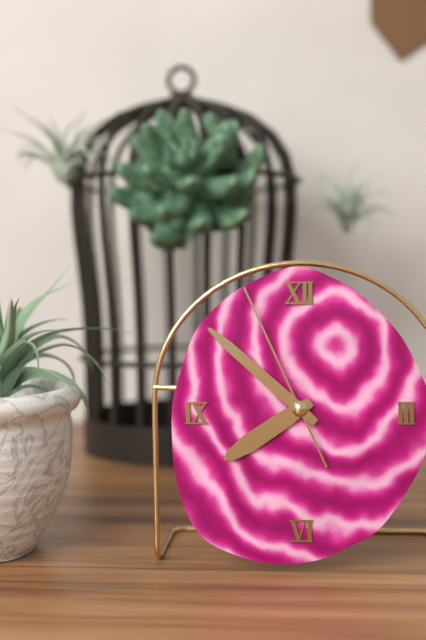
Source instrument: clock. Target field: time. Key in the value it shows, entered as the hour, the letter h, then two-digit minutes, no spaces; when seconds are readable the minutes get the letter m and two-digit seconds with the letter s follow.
7h52m56s
